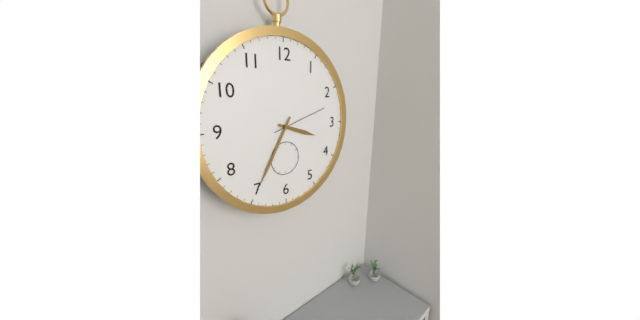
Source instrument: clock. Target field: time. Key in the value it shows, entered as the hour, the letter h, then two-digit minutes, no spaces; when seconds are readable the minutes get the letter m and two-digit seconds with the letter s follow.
3h35m12s
